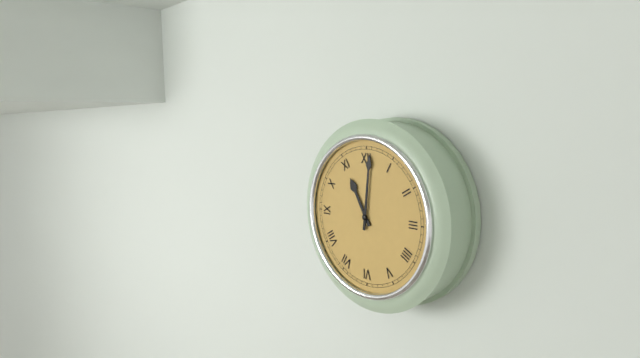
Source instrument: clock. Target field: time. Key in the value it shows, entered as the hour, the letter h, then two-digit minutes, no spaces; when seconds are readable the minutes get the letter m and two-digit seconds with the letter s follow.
11h01
